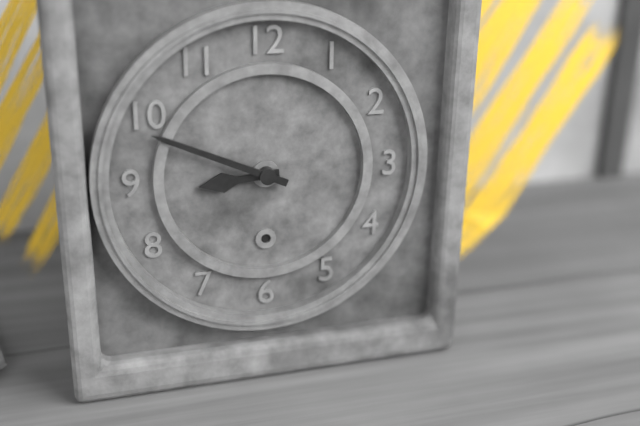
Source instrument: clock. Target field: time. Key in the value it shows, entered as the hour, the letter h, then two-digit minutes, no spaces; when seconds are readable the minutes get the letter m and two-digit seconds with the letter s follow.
8h49
